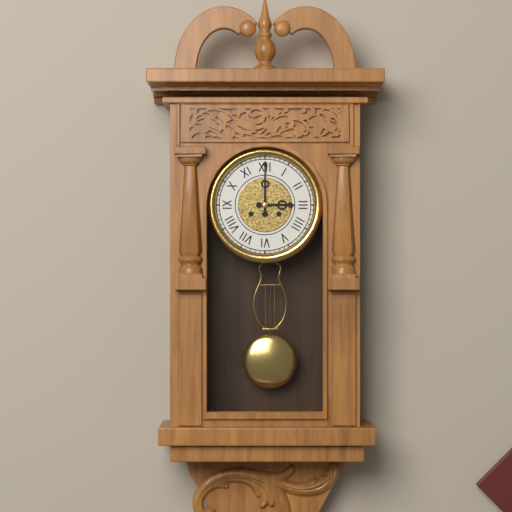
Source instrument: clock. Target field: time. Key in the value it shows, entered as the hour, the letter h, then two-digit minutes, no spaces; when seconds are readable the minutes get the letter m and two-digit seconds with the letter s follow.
3h00
